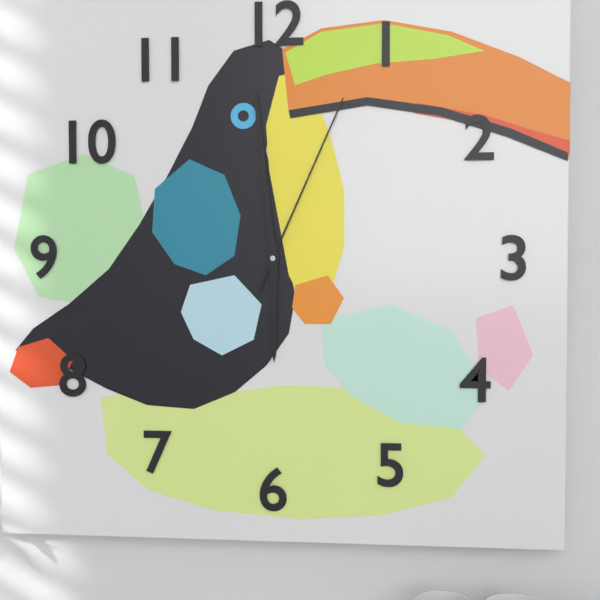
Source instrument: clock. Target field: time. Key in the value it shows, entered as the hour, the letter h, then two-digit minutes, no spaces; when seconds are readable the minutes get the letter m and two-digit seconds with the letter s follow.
5h59m04s
